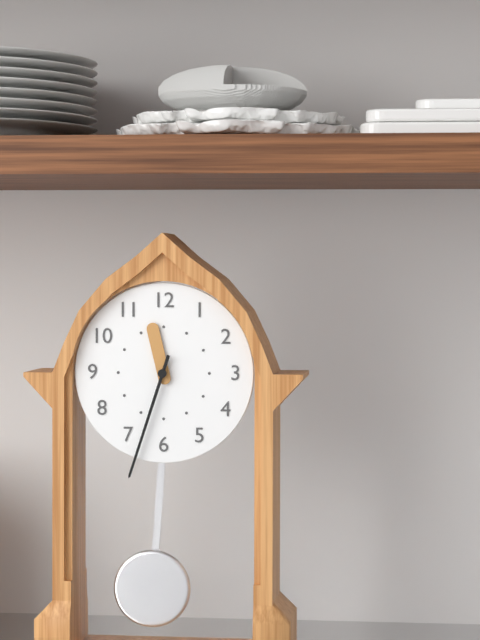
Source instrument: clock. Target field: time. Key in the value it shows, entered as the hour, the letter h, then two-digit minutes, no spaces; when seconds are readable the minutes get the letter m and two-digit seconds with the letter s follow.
11h33
